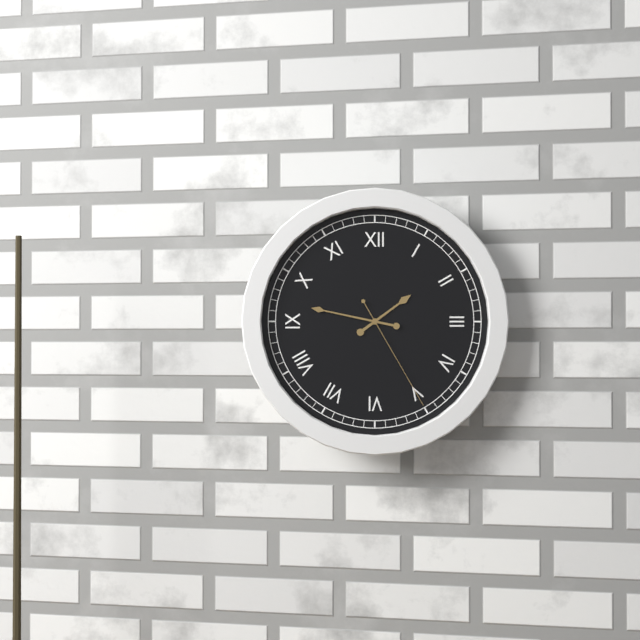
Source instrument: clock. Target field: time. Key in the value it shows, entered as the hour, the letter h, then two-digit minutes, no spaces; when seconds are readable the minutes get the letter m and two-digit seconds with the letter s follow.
1h47m25s
